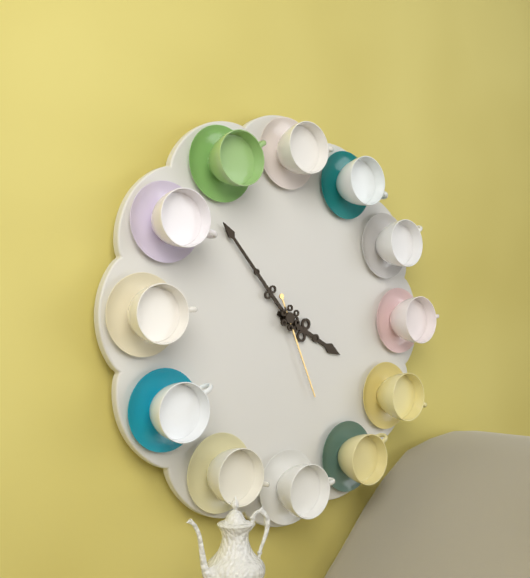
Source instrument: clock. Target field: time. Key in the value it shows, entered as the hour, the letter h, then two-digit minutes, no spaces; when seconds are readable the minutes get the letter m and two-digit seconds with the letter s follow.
3h53m26s
